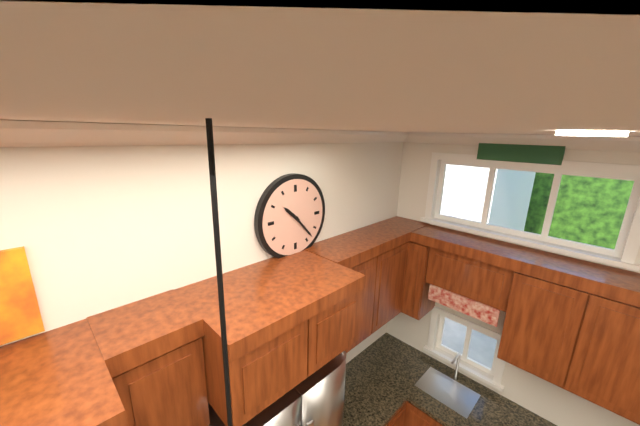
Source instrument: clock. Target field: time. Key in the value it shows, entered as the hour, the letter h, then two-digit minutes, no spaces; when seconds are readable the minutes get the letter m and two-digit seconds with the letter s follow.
10h23
